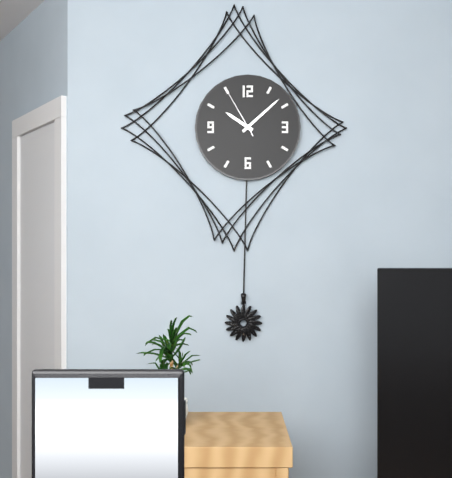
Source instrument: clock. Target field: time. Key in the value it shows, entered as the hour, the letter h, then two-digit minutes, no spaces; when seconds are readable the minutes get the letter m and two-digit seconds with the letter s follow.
10h08m55s
